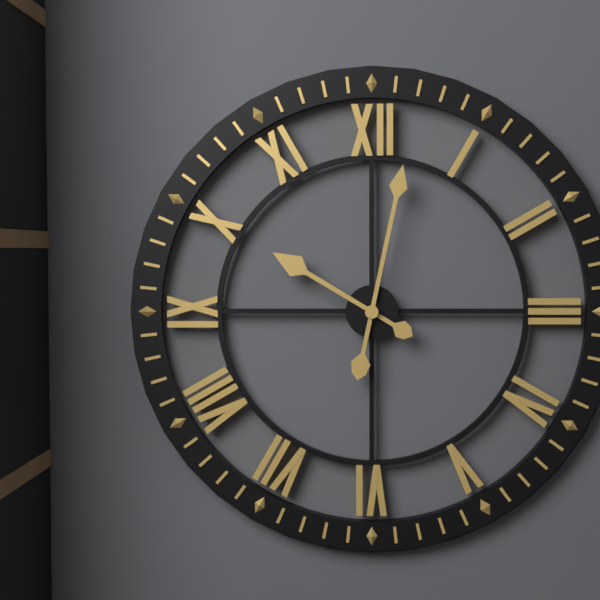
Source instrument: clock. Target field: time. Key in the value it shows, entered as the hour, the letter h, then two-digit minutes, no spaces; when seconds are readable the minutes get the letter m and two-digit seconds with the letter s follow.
10h02
